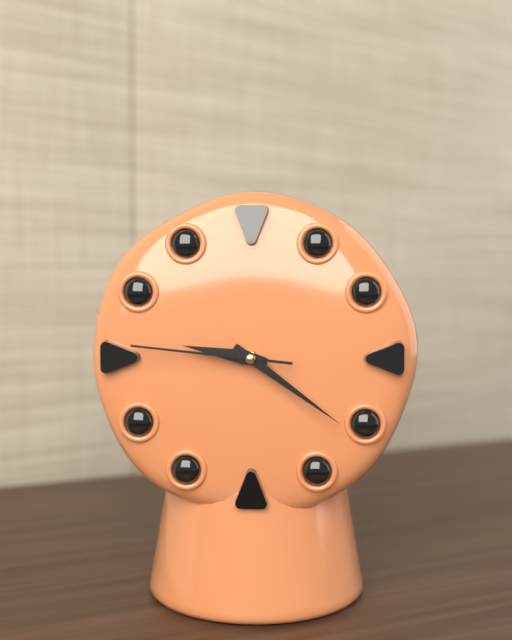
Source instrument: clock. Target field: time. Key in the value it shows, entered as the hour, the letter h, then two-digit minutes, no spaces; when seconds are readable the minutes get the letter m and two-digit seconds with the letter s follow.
9h21m46s
